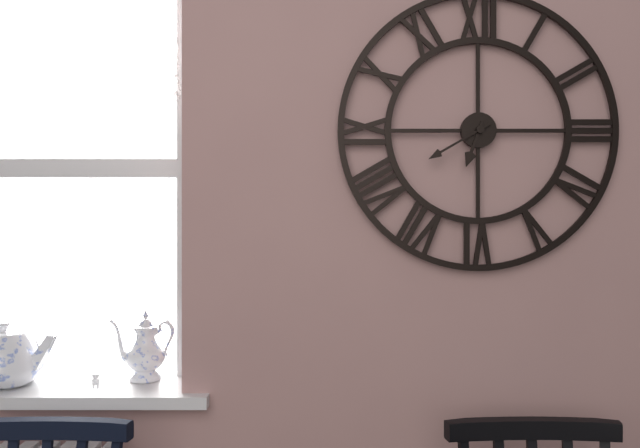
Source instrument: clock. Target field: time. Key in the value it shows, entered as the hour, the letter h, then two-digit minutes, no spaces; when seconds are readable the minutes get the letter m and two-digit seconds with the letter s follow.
6h40
